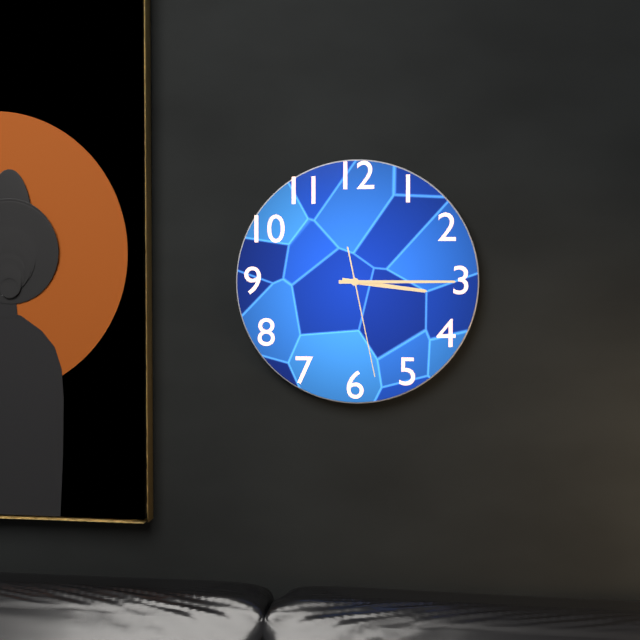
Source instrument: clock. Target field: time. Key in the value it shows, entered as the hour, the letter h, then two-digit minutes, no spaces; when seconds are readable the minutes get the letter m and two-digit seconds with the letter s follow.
3h15m28s
